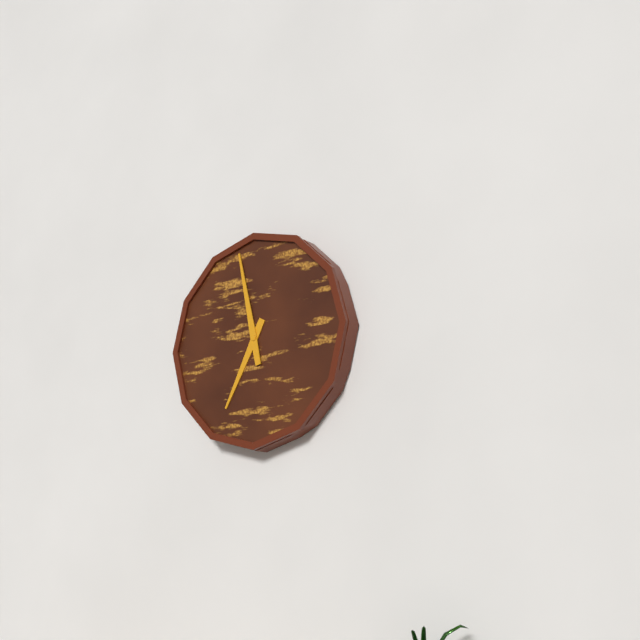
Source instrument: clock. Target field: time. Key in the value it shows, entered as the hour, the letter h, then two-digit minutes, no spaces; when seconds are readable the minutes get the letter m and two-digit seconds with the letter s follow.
6h58
